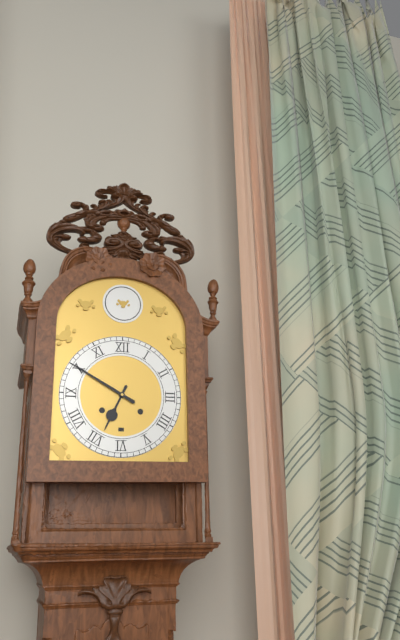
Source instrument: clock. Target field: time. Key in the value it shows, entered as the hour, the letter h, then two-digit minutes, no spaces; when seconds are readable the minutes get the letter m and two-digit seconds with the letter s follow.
6h50
